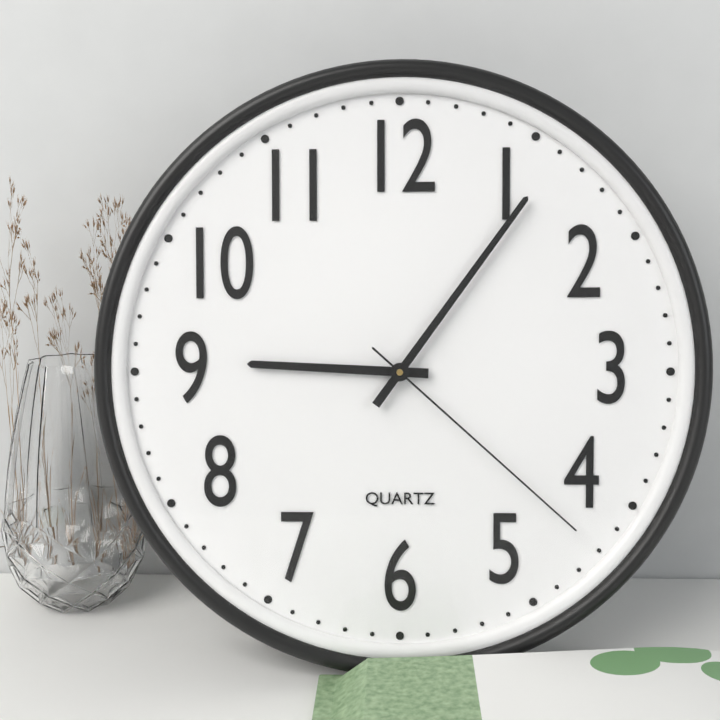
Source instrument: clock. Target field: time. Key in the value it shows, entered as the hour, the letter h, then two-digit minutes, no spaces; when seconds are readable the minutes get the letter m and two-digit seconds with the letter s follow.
9h06m22s
